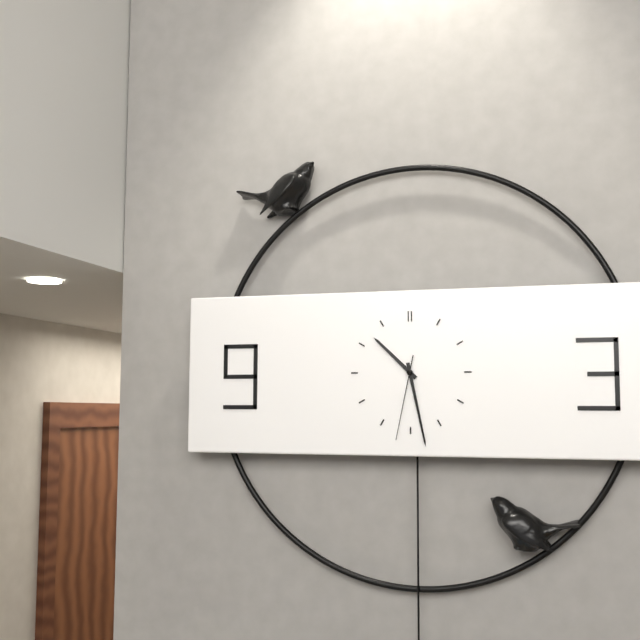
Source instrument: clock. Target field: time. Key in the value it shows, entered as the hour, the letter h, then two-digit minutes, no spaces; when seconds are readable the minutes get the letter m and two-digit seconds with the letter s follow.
10h28m32s
